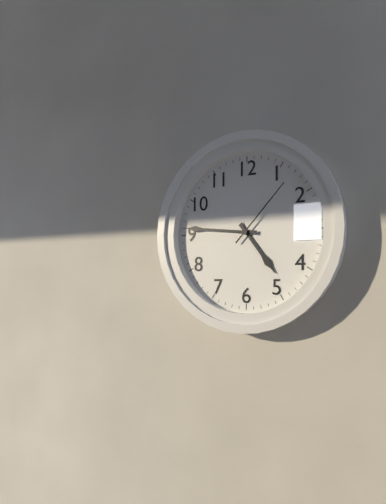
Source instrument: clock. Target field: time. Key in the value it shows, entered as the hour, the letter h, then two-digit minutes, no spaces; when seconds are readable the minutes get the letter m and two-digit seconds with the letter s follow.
4h46m07s
